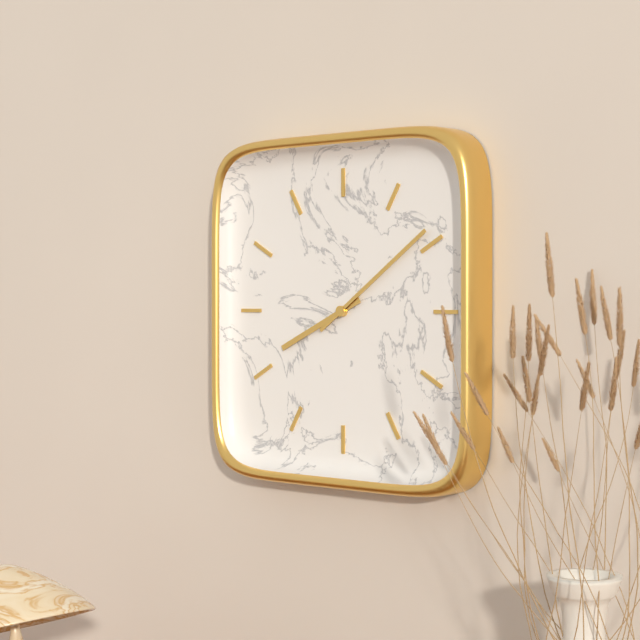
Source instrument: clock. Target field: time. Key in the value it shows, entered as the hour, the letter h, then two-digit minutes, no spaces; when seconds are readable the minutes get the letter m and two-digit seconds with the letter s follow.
8h09
